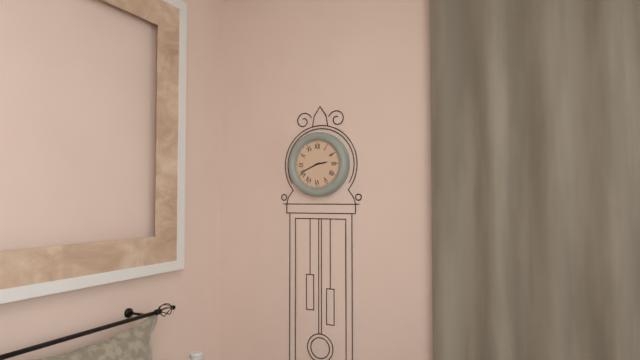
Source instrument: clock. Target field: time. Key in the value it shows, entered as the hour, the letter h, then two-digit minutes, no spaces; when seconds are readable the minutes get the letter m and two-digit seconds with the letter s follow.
2h41
